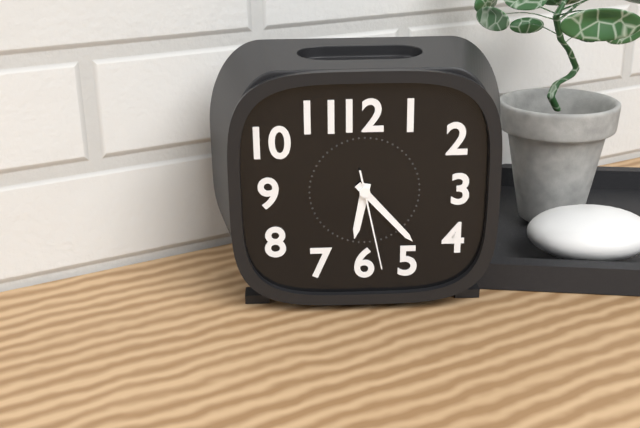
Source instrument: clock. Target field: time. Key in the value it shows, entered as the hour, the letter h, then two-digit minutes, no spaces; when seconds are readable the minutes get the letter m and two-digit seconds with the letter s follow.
6h23m28s
